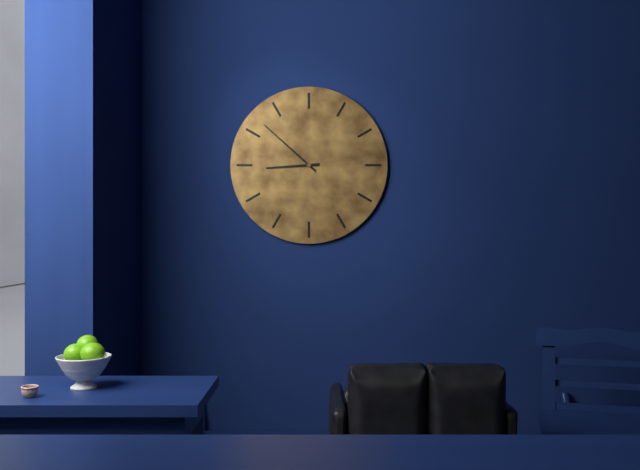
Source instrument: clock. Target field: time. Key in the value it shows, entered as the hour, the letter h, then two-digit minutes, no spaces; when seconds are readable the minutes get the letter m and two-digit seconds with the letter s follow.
8h52
